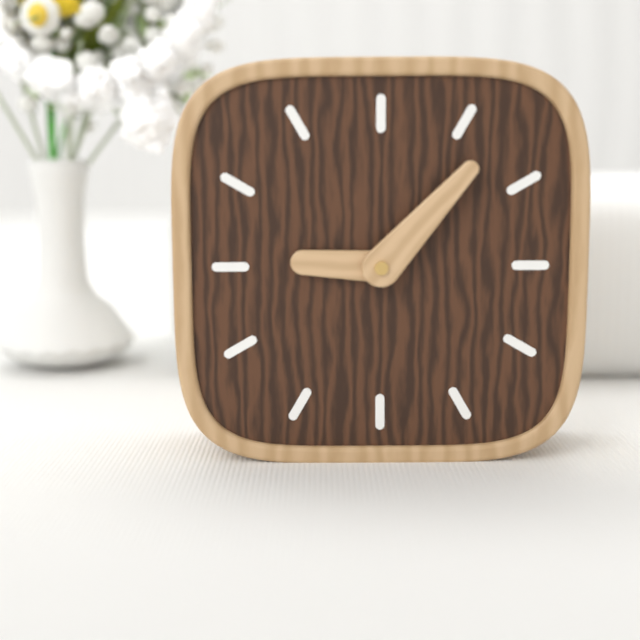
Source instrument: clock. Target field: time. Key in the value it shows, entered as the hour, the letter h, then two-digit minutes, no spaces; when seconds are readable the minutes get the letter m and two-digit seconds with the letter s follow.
9h07
